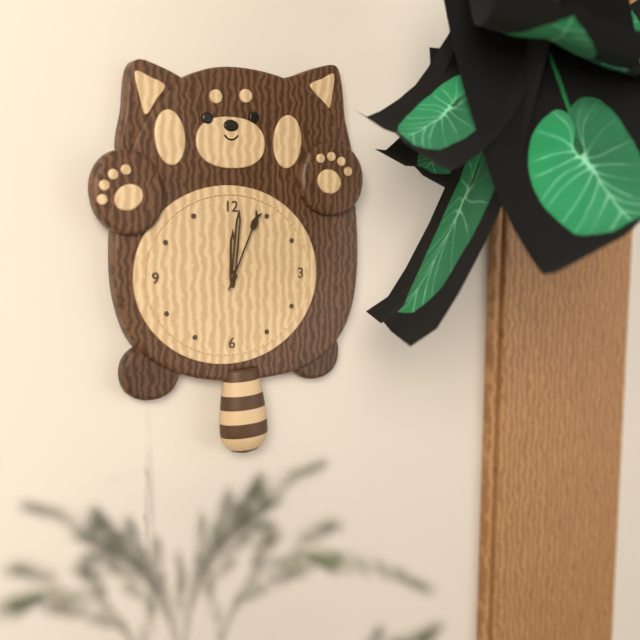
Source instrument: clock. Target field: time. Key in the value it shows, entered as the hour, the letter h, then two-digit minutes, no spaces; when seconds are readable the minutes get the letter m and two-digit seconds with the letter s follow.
12h01m04s
